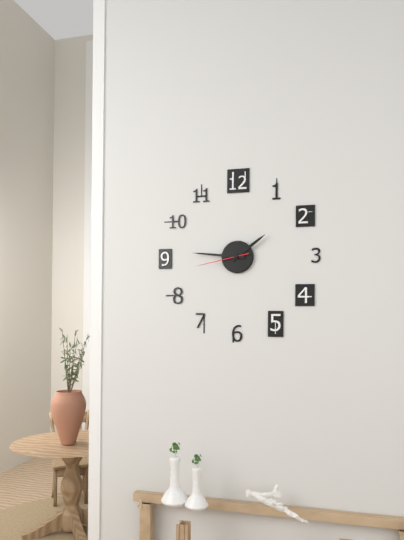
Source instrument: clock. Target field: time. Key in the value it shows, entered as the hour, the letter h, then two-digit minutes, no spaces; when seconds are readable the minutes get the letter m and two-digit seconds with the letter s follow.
1h46m43s
